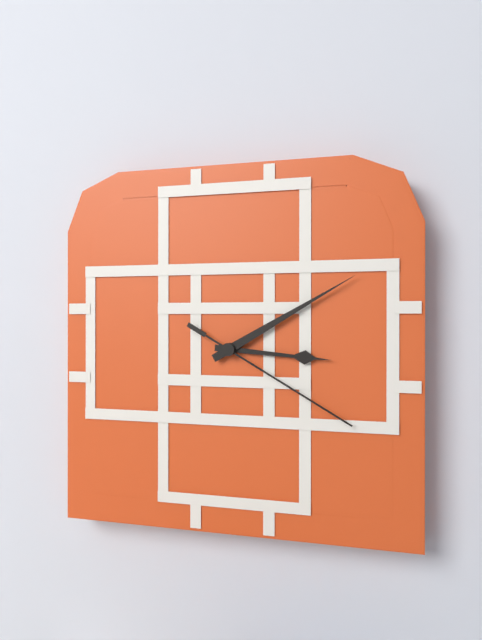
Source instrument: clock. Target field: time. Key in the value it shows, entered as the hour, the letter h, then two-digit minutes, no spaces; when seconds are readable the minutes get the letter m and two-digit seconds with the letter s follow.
3h10m20s
